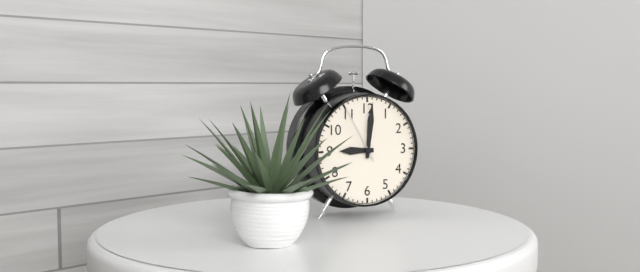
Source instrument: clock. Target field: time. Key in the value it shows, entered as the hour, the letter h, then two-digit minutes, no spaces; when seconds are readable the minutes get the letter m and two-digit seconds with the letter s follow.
9h01m55s
